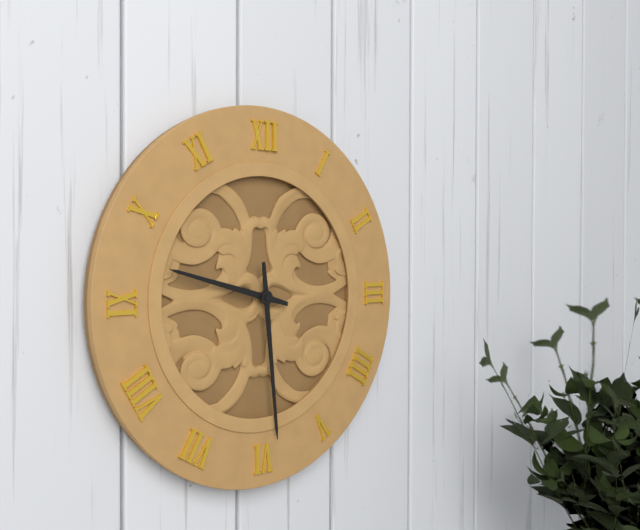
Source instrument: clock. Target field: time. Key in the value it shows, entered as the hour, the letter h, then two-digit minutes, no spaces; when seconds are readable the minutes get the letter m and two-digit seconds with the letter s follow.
9h29
